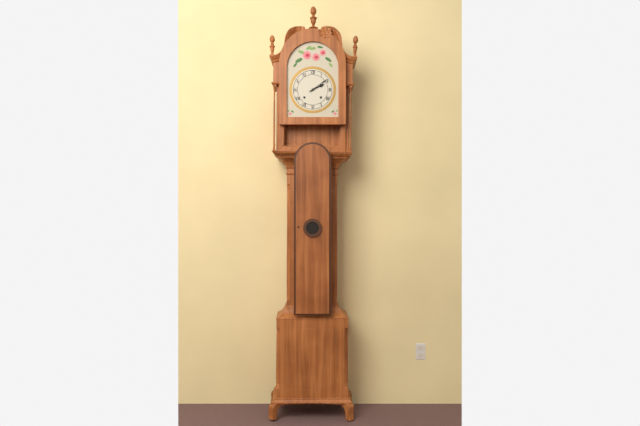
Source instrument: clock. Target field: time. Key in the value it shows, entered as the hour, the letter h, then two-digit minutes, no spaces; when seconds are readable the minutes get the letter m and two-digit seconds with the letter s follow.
2h09
